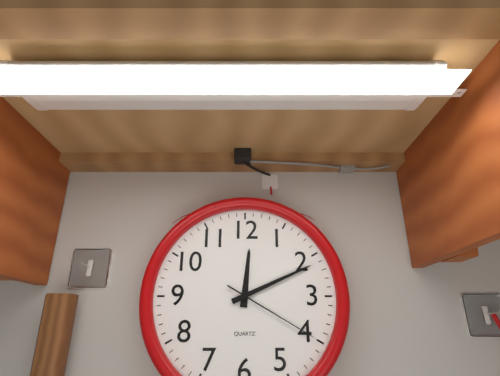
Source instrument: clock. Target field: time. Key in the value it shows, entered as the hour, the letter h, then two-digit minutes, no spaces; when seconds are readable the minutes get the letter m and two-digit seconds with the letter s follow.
12h11m20s
